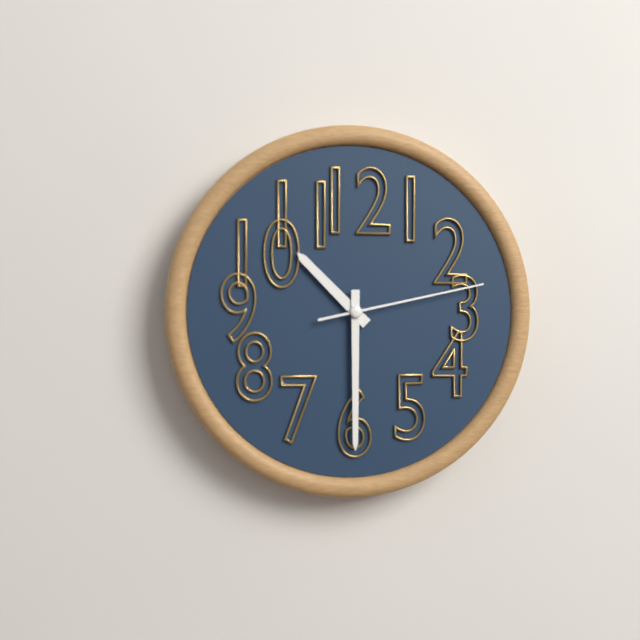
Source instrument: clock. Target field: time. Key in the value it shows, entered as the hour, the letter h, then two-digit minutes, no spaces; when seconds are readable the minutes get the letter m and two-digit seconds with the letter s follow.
10h30m13s
